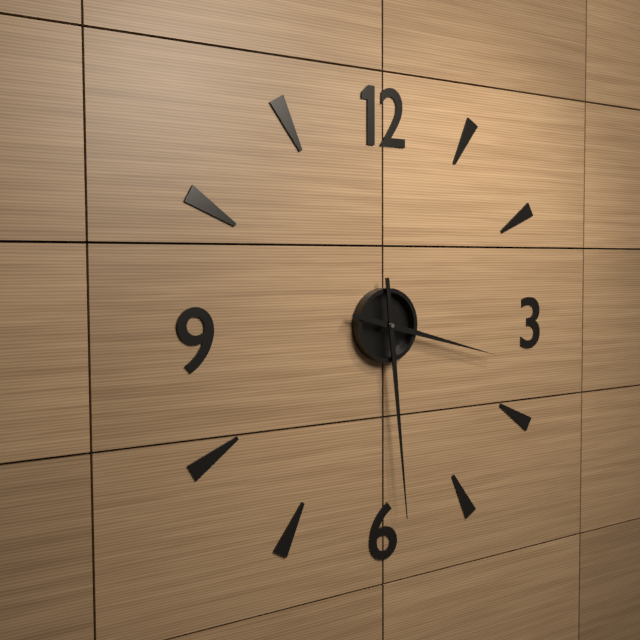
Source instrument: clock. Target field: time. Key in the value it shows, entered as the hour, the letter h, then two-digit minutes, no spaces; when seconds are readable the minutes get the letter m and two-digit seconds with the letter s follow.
3h29
